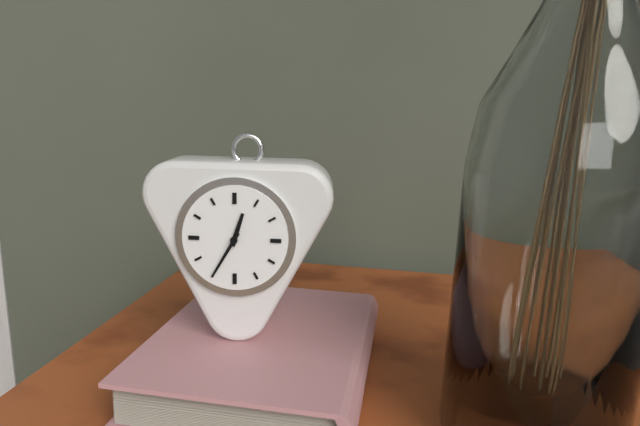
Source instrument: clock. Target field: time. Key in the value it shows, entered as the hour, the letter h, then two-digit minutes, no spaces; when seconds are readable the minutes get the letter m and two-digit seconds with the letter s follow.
12h35
